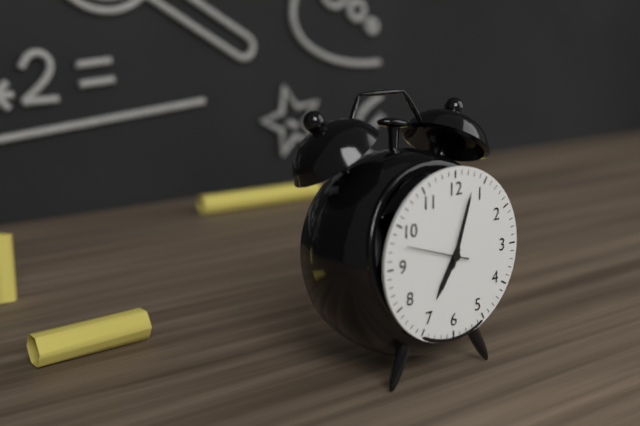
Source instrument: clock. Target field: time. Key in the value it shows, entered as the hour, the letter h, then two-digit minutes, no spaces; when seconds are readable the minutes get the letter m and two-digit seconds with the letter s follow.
7h03
